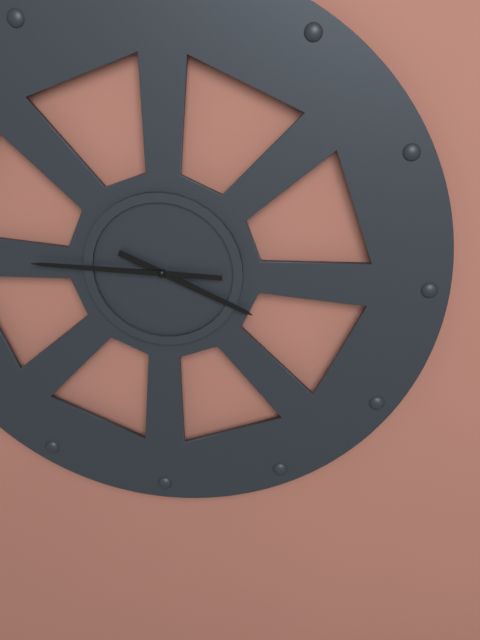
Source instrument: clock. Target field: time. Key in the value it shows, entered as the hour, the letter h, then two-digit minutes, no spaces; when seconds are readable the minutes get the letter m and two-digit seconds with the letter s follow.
3h45
